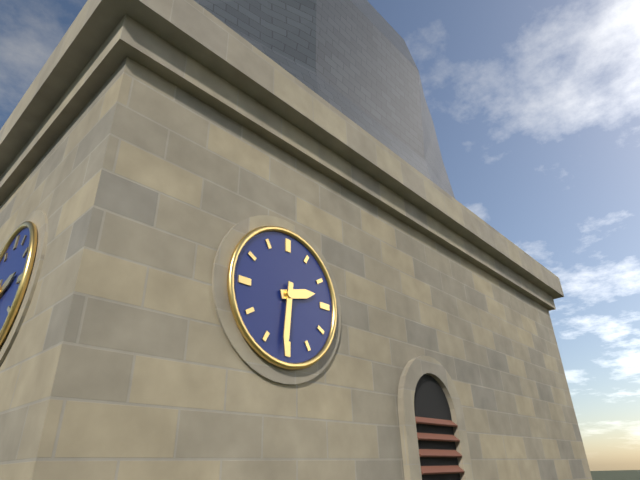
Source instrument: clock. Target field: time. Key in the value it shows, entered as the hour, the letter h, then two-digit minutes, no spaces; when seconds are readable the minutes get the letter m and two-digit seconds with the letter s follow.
2h31
